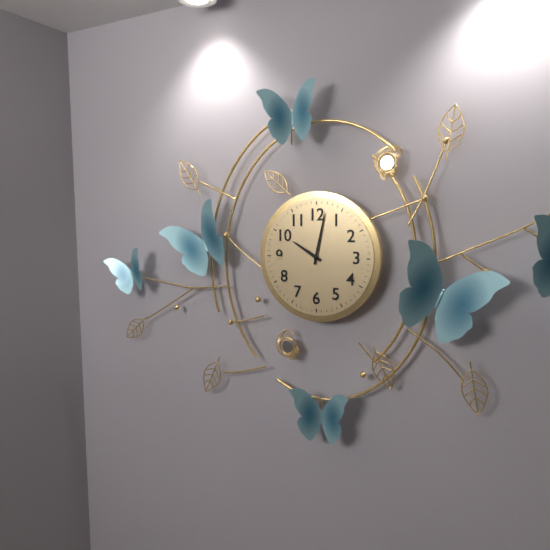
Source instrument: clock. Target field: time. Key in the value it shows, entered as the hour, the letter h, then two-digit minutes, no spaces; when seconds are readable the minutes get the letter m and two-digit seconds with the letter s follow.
10h02
